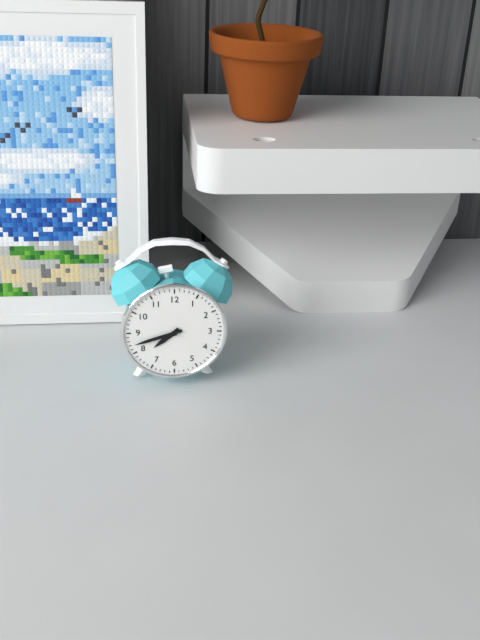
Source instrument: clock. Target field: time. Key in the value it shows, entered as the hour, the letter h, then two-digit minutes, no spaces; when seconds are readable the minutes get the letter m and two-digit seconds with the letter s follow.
7h42
